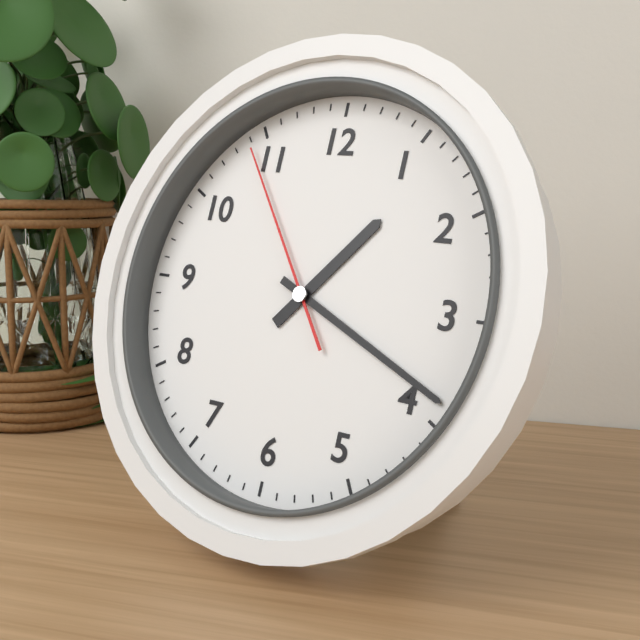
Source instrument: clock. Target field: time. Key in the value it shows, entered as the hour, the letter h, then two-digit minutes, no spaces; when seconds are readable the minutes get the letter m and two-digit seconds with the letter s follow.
1h19m54s
